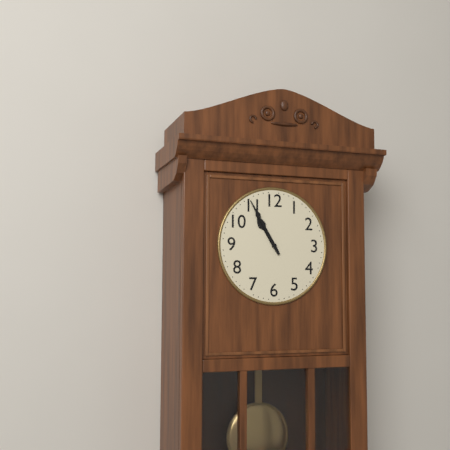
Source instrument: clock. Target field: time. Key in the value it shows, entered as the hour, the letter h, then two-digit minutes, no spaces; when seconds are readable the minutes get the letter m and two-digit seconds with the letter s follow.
10h55
